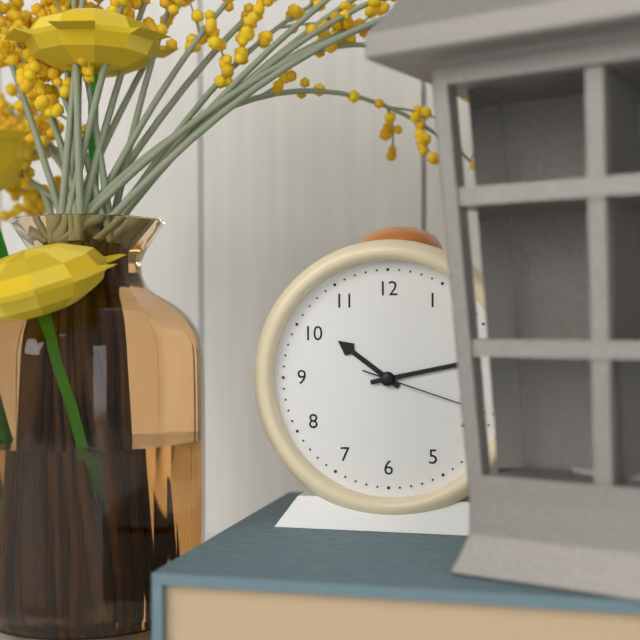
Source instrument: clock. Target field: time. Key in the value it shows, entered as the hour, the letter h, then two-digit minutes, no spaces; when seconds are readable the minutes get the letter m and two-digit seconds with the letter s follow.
10h13m18s
